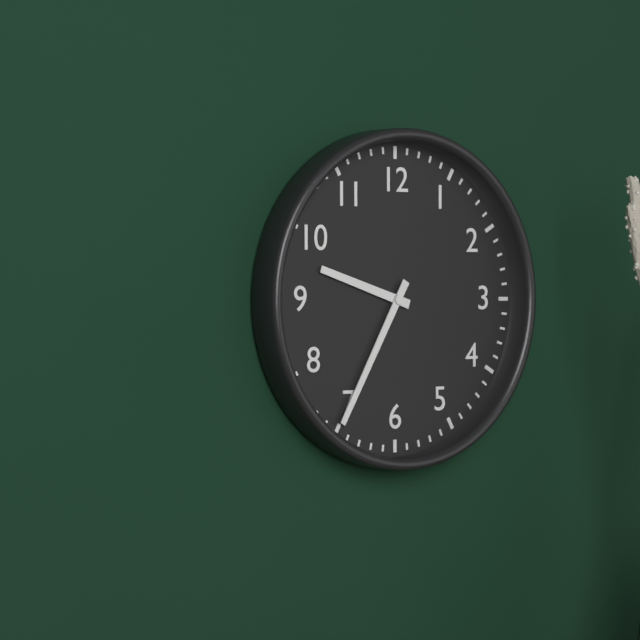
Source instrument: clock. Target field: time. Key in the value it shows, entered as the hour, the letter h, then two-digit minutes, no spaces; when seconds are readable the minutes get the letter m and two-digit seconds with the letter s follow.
9h35
